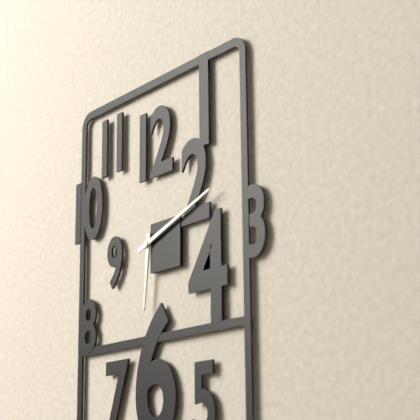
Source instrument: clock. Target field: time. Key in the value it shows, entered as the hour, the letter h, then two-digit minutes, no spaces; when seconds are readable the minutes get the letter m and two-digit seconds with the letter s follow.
6h12
